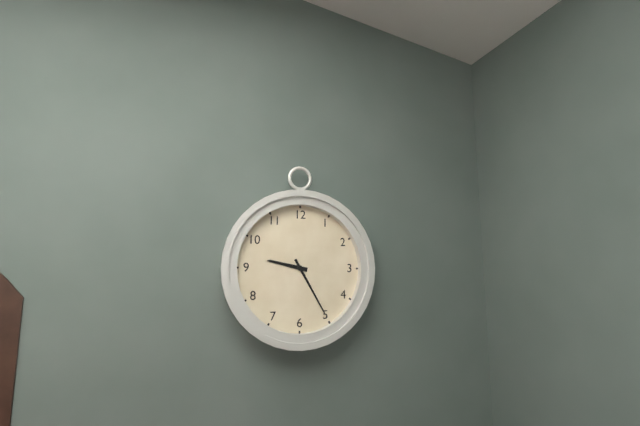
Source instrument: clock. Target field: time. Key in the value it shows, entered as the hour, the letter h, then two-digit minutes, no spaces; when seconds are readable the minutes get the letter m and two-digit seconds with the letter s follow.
9h25
